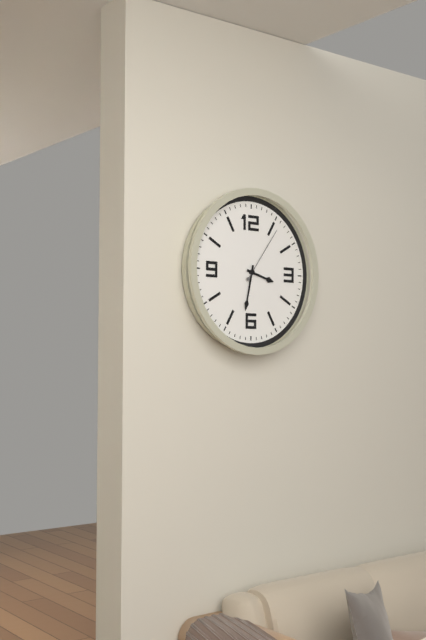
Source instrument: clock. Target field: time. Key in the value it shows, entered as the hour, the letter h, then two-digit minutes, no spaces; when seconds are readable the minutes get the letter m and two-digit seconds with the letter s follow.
3h32m06s
